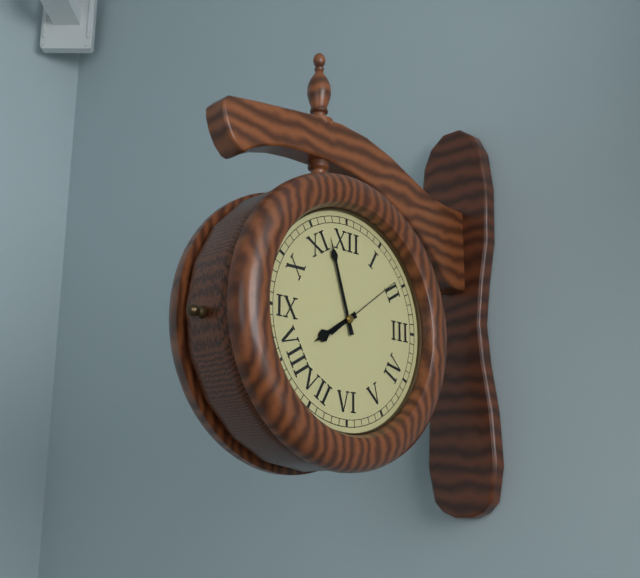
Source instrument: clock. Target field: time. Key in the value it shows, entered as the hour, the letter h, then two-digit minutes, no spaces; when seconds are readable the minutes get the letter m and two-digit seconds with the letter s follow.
7h57m09s
